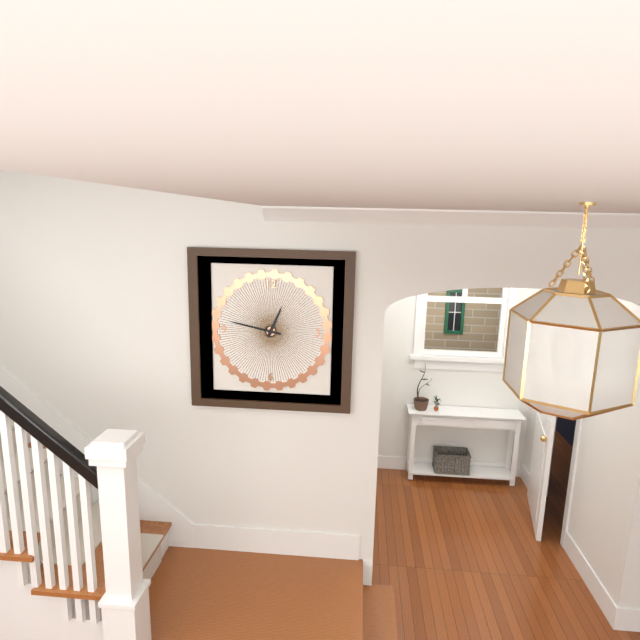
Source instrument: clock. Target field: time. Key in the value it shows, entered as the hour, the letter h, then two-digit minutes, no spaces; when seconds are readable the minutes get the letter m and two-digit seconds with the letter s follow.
12h47
